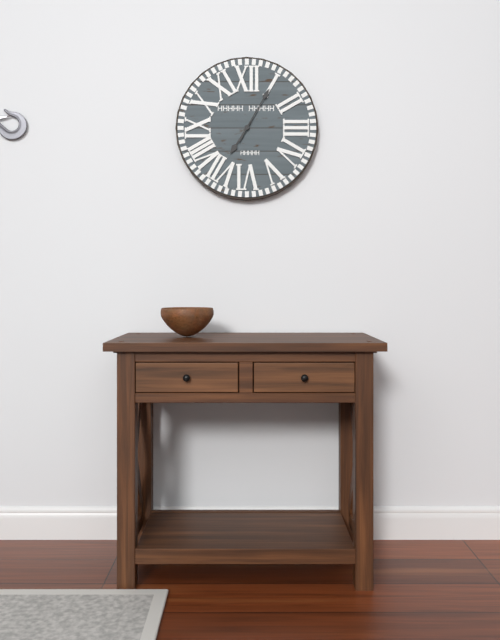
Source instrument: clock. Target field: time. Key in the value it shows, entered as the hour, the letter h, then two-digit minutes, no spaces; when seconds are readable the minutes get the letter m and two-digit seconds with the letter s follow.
7h05
